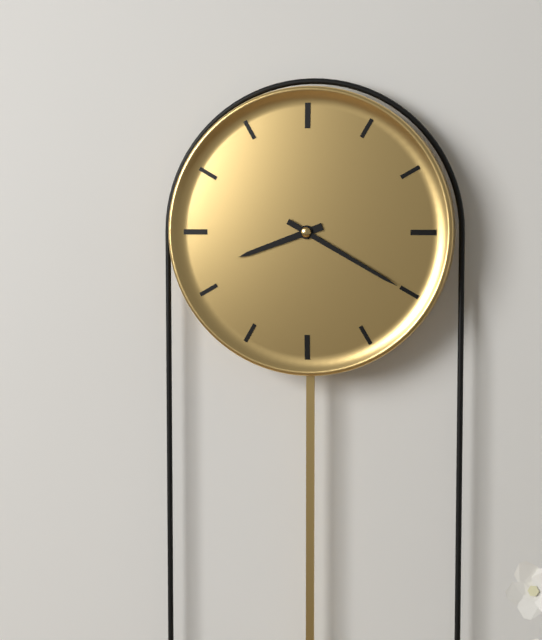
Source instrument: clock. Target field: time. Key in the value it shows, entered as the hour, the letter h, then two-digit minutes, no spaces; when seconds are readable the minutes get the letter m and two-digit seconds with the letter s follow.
8h20
